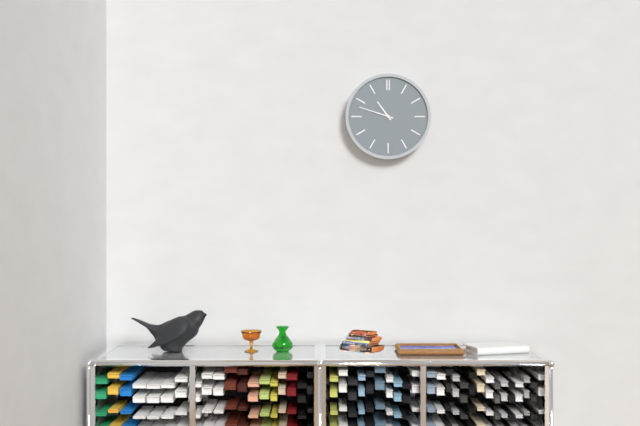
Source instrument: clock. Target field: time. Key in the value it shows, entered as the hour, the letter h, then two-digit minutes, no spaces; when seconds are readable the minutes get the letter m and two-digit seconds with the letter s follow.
10h48
